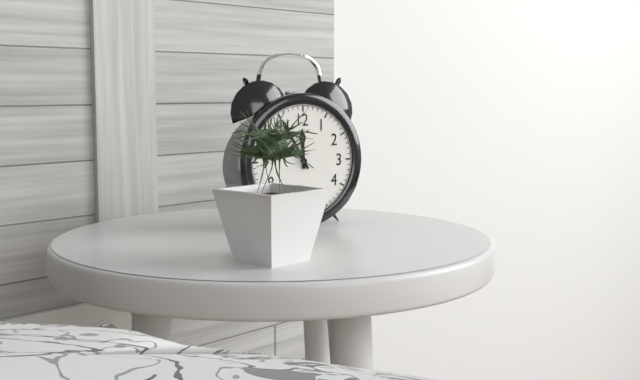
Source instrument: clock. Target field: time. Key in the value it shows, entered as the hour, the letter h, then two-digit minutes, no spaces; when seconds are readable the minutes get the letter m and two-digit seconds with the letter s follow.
11h55
